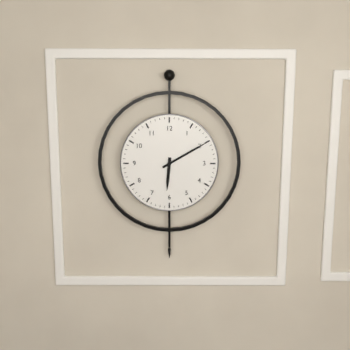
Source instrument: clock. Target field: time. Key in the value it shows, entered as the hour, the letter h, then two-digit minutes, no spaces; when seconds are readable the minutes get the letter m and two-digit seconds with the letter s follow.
6h10
